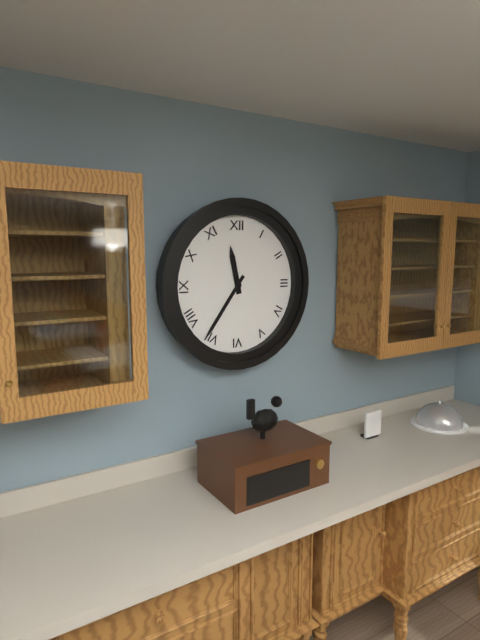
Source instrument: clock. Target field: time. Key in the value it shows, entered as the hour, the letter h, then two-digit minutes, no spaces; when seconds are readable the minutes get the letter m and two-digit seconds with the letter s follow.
11h36
